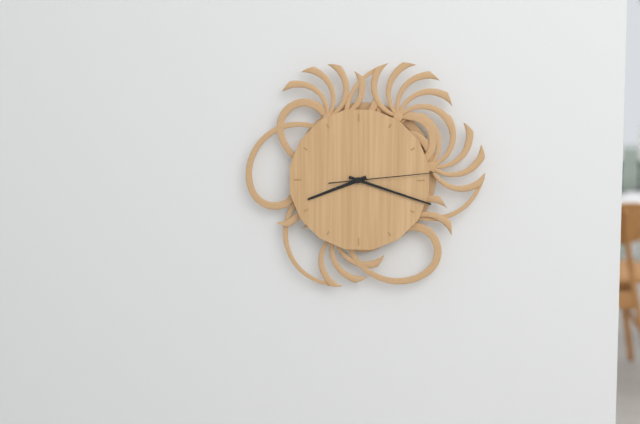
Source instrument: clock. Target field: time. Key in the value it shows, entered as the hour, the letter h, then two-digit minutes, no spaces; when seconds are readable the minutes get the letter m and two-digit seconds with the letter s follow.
8h18m14s
